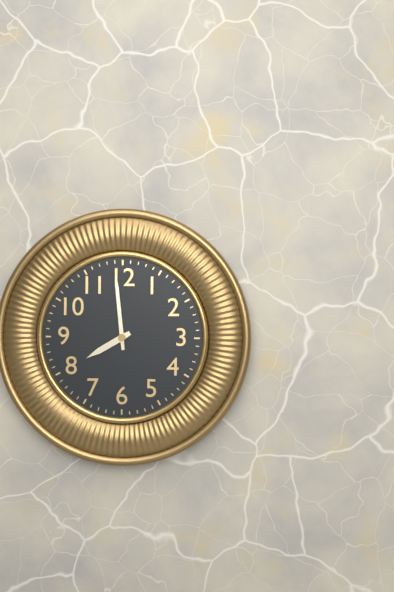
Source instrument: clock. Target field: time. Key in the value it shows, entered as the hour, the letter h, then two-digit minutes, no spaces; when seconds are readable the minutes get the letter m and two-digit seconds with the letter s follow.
7h59
